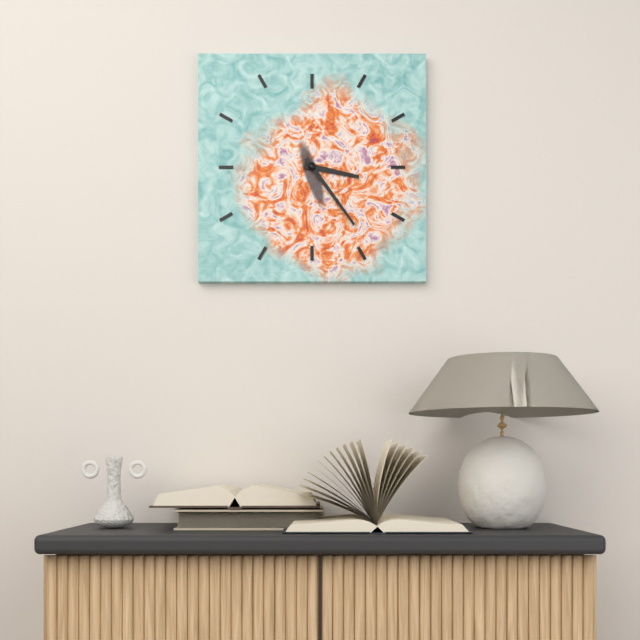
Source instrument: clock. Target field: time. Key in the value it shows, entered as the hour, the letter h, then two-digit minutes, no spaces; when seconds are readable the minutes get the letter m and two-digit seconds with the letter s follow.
3h24
